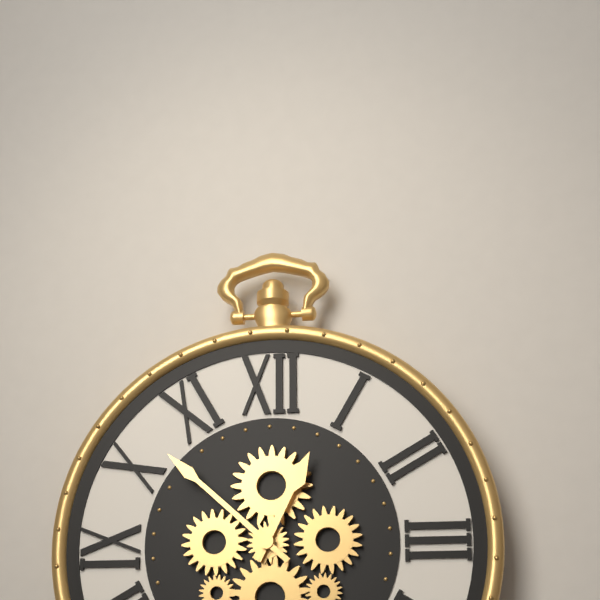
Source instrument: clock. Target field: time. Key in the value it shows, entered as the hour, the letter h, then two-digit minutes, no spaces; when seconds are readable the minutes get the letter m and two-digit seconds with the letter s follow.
12h52
